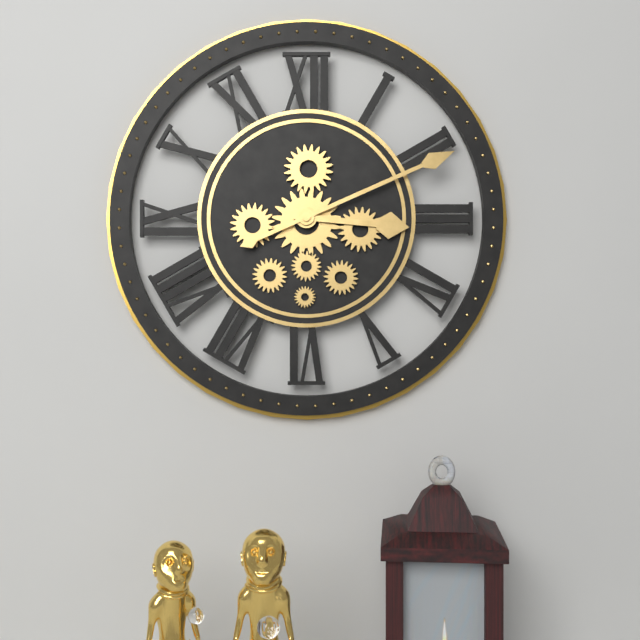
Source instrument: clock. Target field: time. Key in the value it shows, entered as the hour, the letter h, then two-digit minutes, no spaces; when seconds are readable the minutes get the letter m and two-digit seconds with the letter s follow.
3h11
